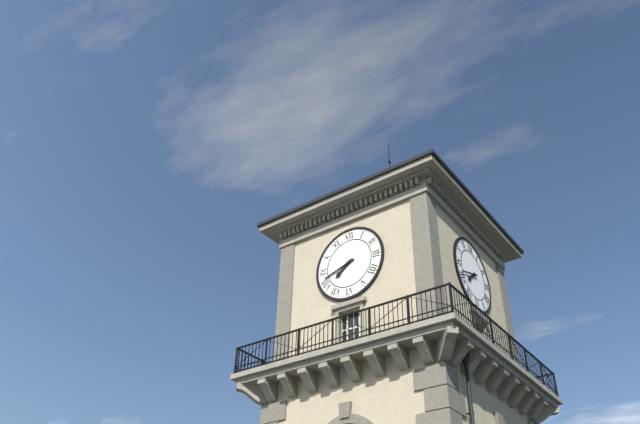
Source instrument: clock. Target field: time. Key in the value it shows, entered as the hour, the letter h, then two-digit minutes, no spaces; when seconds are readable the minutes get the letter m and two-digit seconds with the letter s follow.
7h42
